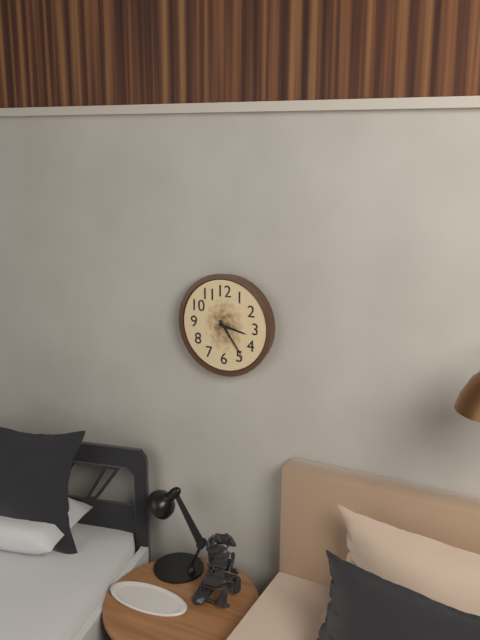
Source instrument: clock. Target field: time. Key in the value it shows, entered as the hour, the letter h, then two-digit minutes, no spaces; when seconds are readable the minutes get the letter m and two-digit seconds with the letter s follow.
3h24
